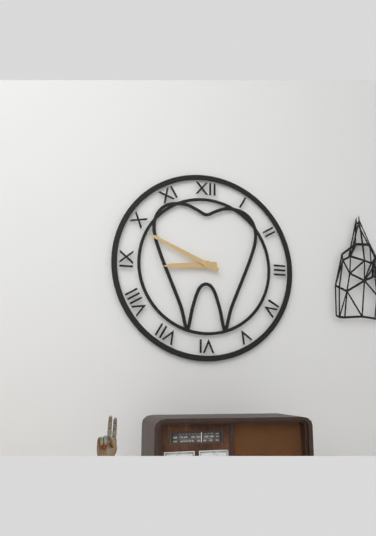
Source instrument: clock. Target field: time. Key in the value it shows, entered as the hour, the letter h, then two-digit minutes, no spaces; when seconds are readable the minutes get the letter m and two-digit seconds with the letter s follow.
8h49
